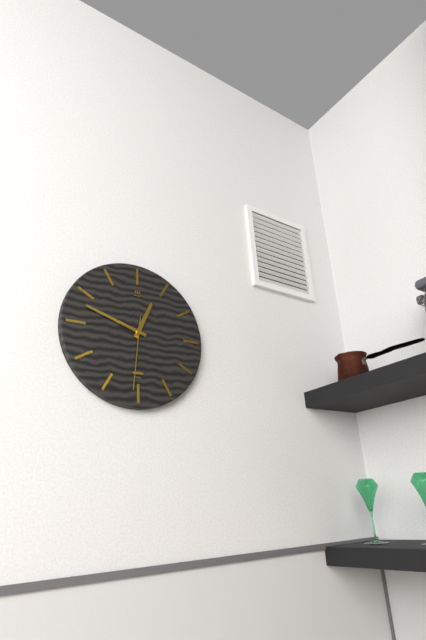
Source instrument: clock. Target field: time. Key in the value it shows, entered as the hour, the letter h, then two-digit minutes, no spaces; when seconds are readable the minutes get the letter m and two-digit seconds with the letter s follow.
12h48m31s
